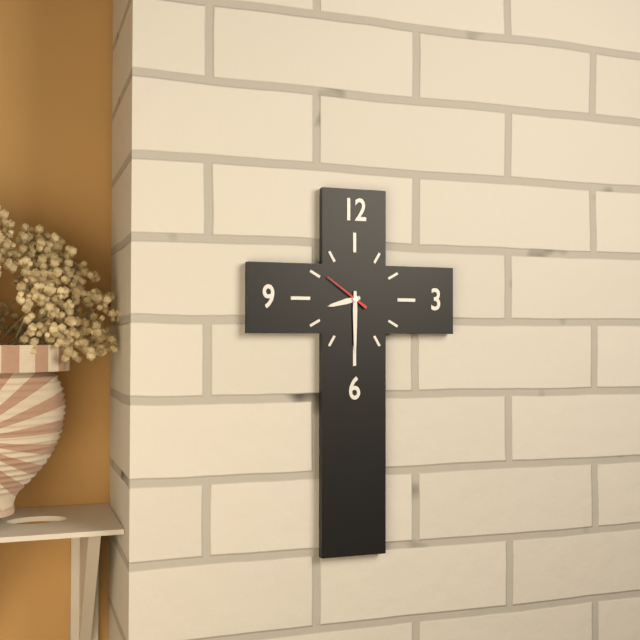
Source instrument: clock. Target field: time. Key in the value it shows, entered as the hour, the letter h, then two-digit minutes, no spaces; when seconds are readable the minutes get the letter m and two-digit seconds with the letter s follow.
8h30
